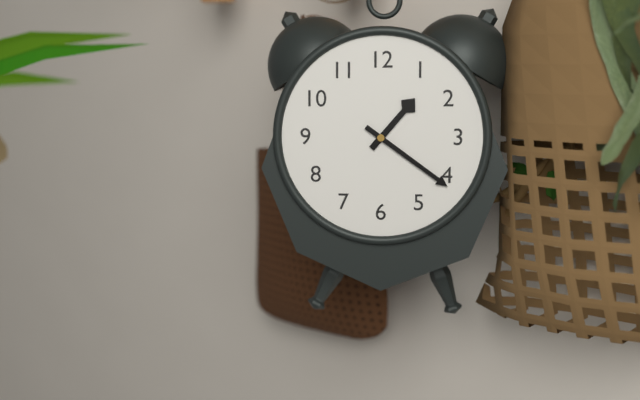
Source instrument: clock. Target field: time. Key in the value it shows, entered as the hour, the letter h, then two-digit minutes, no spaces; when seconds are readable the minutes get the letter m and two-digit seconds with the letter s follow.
1h21
